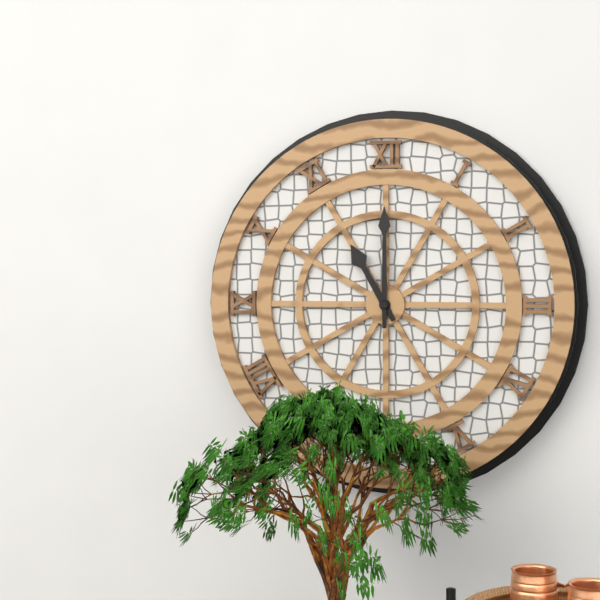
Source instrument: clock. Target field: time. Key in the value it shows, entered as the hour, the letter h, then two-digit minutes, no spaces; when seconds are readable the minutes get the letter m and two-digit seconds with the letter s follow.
11h00
